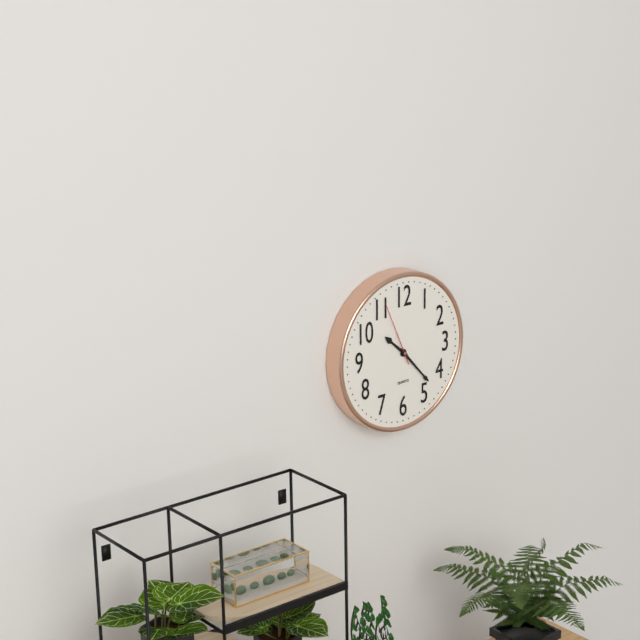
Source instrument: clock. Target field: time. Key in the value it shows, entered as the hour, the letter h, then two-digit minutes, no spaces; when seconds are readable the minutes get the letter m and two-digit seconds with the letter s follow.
10h23m56s
